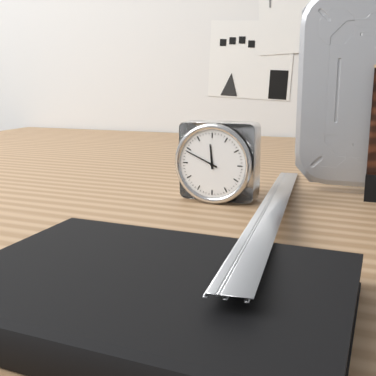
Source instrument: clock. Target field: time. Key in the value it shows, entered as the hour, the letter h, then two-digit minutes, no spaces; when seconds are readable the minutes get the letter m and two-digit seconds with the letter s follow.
11h49
